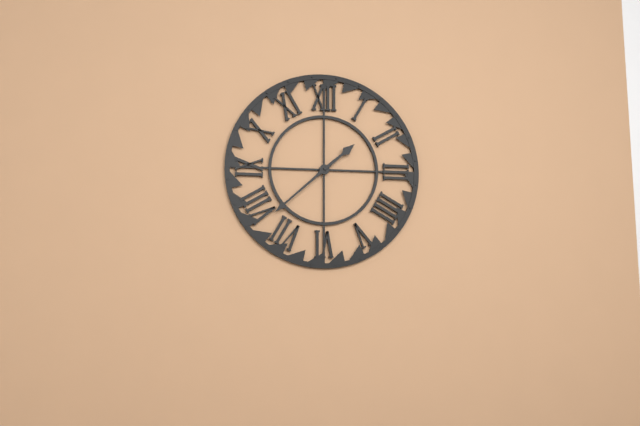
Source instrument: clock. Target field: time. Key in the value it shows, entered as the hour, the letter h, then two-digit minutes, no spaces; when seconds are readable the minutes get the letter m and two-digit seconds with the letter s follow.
1h38
